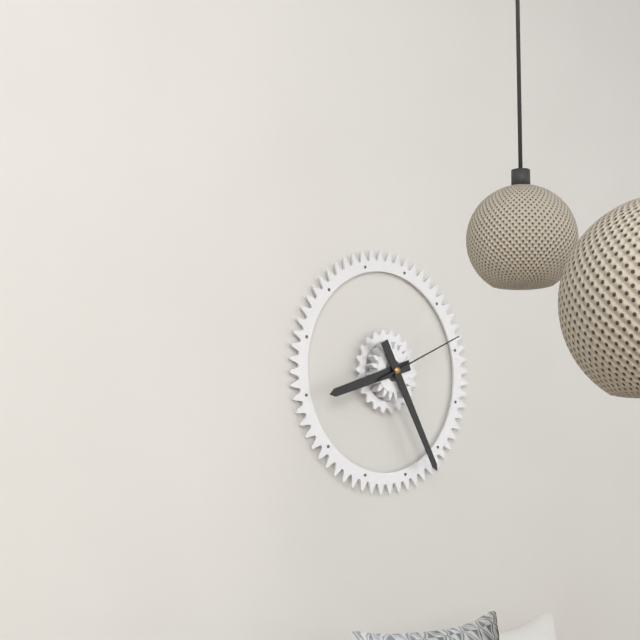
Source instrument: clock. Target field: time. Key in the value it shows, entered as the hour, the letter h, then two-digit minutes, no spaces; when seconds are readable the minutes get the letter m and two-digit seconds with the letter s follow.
8h25m11s
